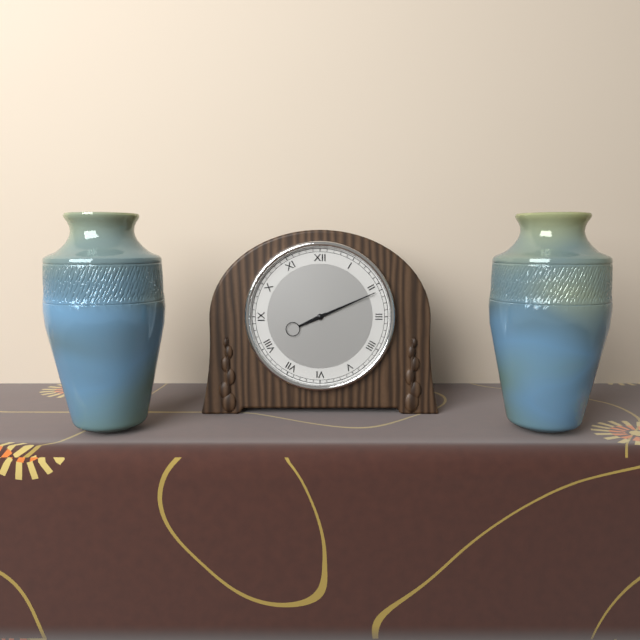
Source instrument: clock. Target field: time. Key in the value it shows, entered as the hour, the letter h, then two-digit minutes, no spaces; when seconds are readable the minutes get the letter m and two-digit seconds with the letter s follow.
8h11
